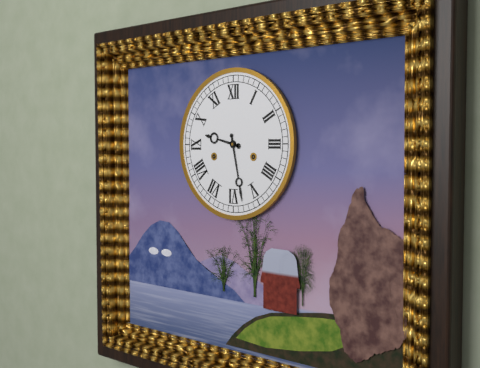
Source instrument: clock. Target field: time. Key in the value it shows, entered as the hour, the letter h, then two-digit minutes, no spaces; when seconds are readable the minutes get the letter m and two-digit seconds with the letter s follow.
9h28
